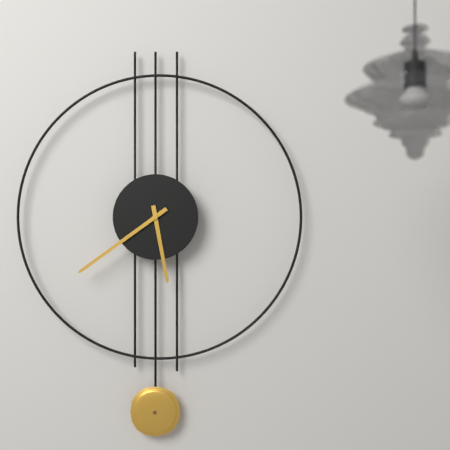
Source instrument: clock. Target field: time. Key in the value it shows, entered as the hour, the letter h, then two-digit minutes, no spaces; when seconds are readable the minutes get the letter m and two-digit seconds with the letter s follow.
5h39
